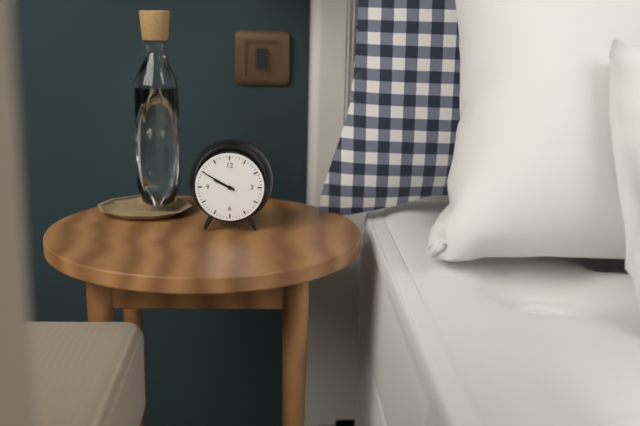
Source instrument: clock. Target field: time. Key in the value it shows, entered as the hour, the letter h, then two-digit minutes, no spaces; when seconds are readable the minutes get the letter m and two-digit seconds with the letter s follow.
9h50
